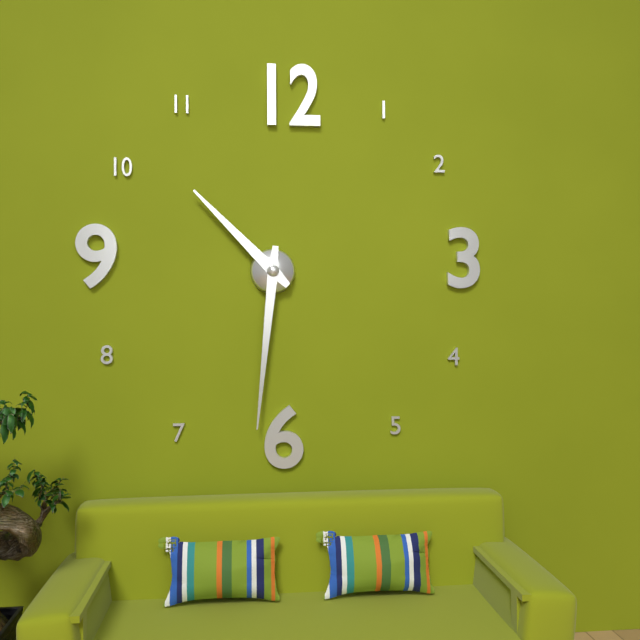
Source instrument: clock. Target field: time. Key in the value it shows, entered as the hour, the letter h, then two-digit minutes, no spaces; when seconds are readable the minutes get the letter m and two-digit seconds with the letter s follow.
10h31
